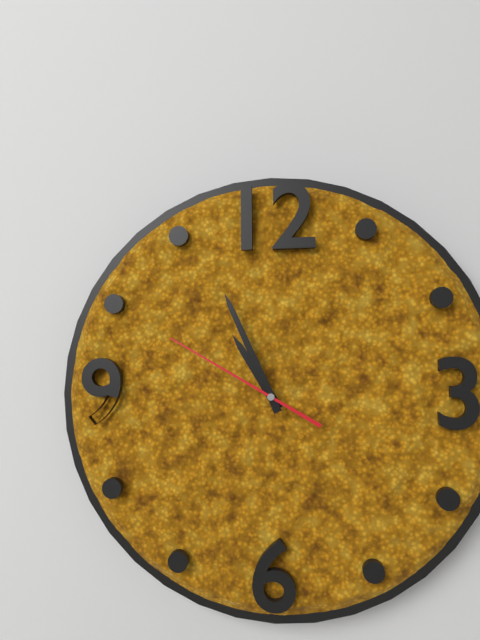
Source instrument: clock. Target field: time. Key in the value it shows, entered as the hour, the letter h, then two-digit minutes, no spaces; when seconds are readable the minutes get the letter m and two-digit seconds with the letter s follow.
10h56m50s
